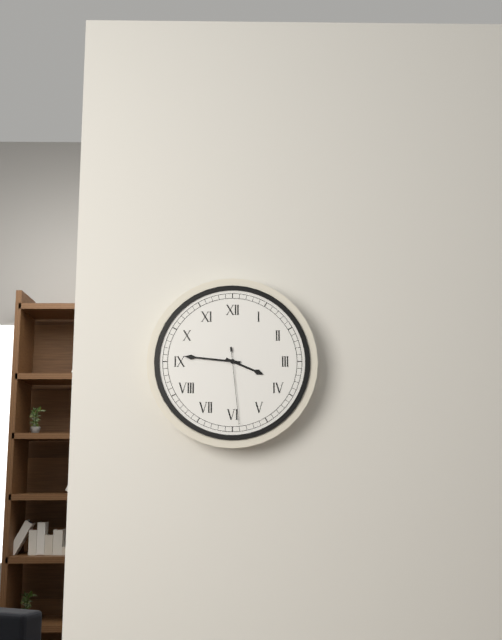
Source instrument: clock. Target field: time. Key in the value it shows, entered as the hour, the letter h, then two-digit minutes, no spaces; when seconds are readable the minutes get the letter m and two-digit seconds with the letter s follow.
3h46m29s
